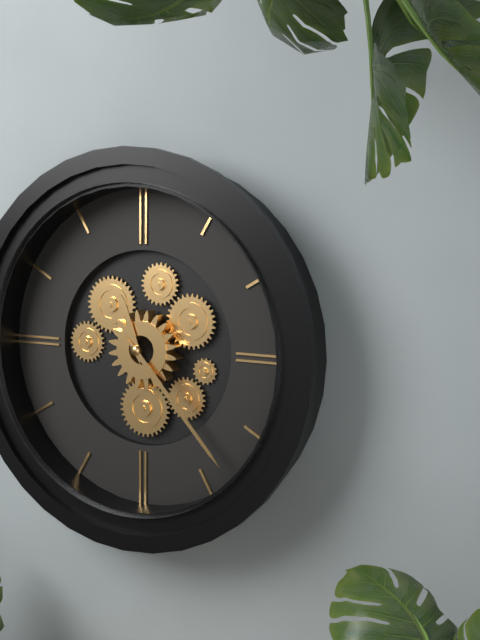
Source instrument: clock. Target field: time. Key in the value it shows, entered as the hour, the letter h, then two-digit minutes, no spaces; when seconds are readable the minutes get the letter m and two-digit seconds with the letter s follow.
11h23
